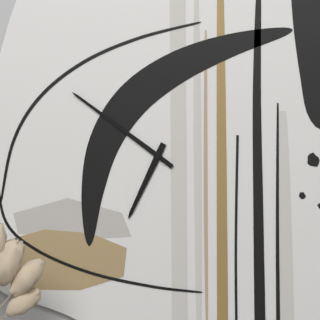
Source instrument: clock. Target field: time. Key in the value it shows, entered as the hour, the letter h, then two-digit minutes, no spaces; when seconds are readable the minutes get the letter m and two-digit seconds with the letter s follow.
6h51
